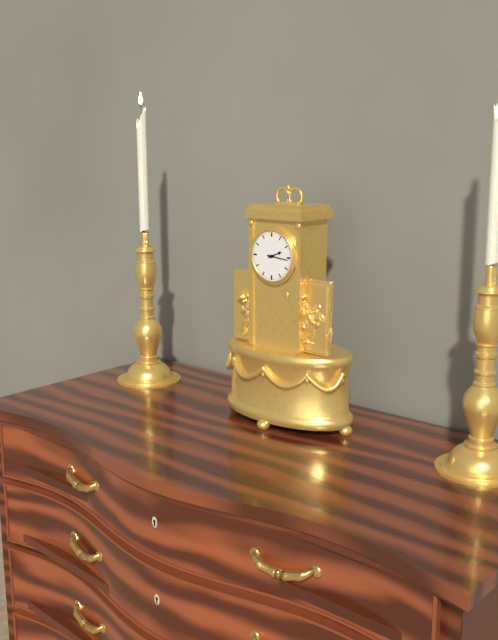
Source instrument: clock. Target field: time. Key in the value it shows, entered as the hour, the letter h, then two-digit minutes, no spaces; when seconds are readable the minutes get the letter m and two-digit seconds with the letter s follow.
2h16
